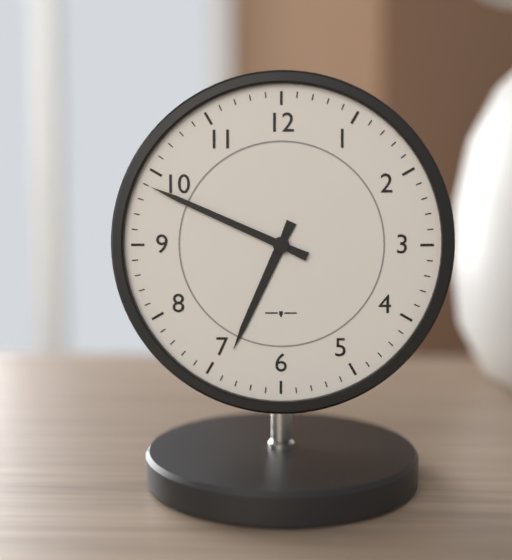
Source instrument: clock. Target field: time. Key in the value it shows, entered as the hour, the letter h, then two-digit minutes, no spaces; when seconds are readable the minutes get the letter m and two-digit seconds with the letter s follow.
6h49
